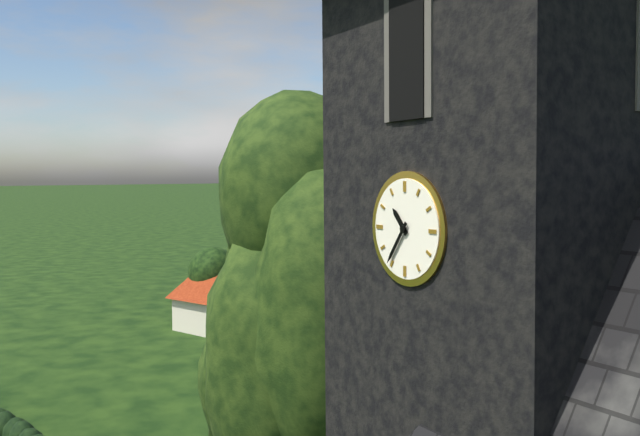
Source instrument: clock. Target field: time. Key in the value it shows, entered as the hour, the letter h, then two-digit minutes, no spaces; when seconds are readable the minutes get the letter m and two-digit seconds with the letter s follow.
10h36
